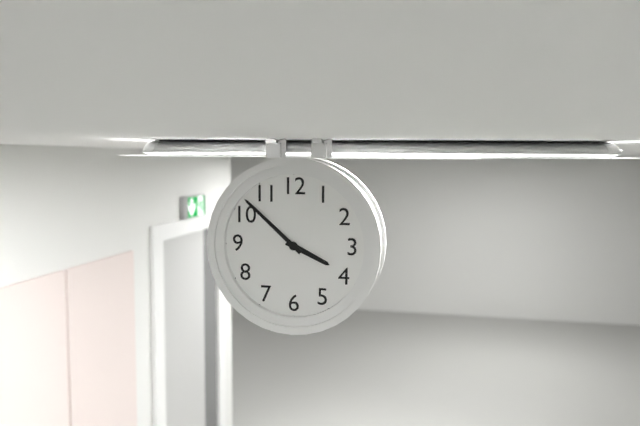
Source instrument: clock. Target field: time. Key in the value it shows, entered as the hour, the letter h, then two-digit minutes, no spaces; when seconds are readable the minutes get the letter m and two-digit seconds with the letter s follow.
3h52
